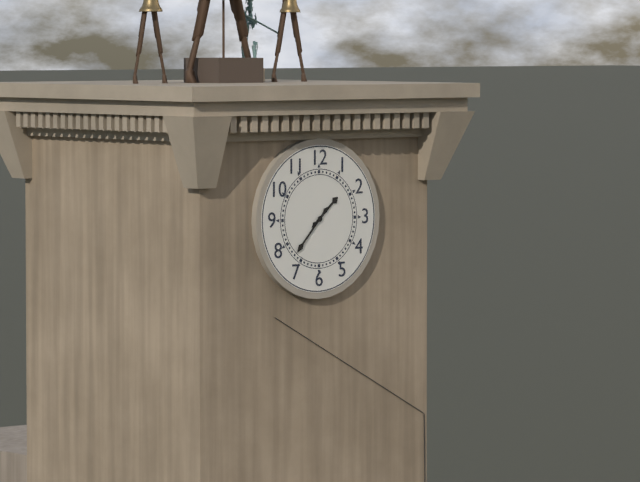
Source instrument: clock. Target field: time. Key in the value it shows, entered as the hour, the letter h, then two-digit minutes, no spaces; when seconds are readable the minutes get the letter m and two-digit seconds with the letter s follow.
1h37
